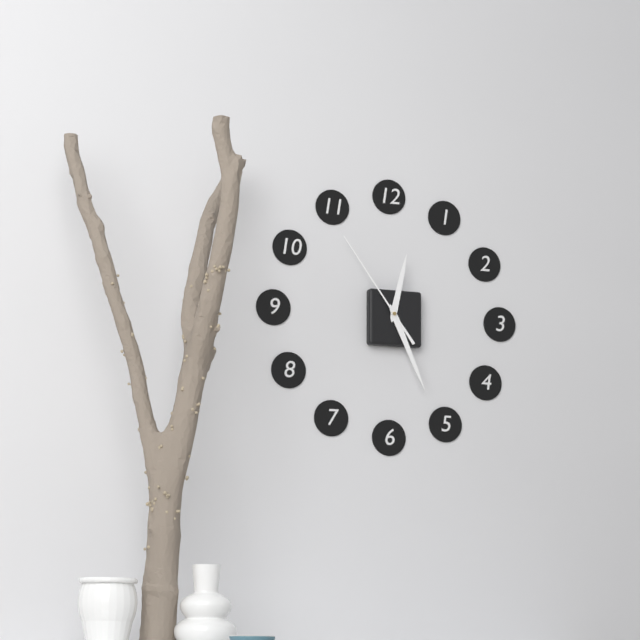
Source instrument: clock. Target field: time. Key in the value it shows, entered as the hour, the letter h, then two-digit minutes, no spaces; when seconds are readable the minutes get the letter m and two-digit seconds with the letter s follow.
12h26m54s
